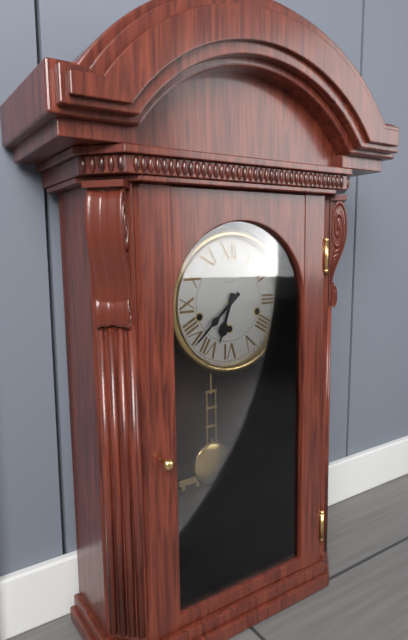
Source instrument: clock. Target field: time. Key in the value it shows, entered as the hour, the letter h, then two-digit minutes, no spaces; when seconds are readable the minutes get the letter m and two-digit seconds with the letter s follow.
6h38
